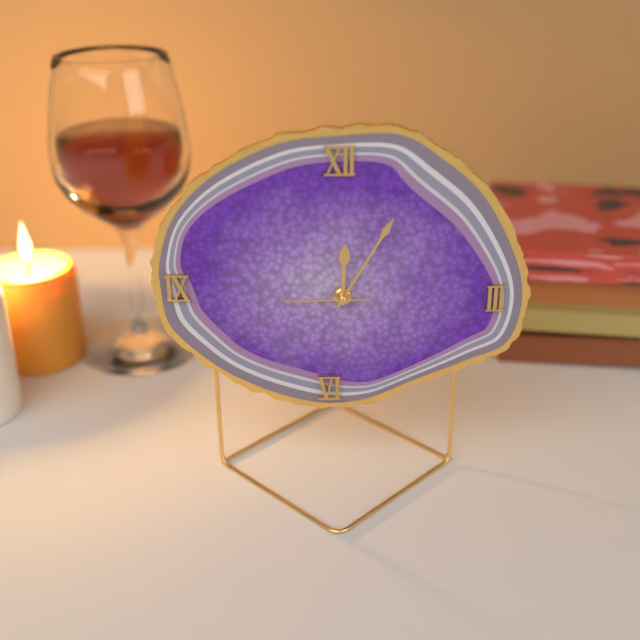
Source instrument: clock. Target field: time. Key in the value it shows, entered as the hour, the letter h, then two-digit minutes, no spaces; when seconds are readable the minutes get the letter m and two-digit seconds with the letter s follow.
12h05m45s
